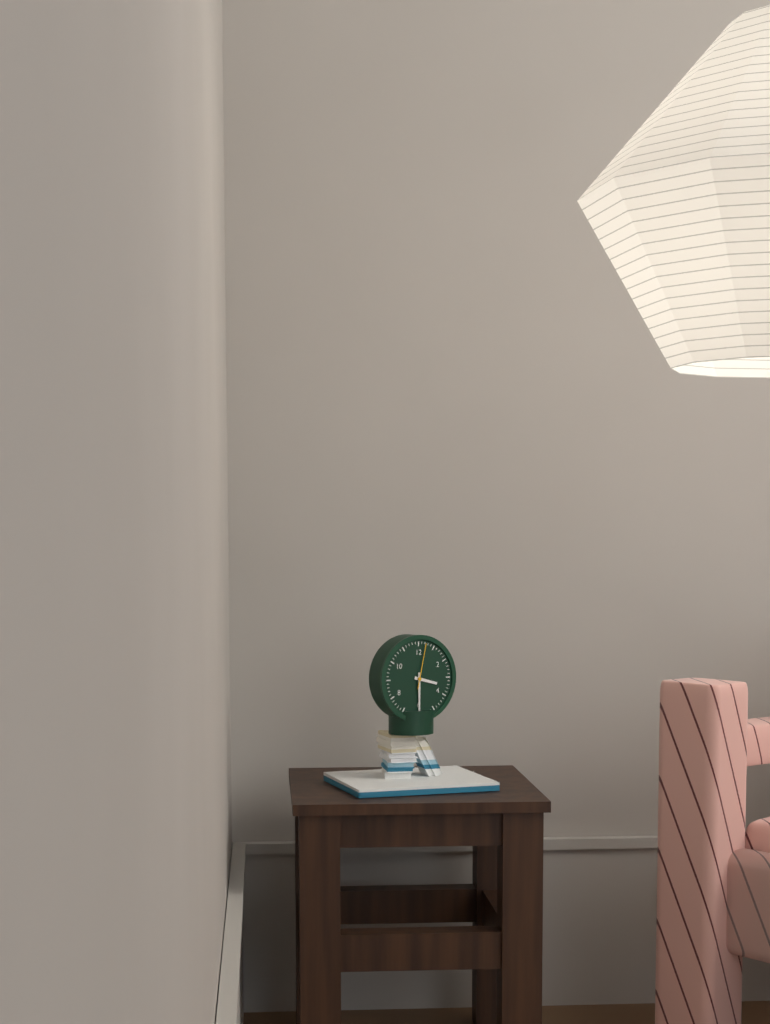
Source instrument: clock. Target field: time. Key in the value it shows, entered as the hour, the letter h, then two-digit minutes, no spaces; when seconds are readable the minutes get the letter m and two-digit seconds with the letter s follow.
3h30
